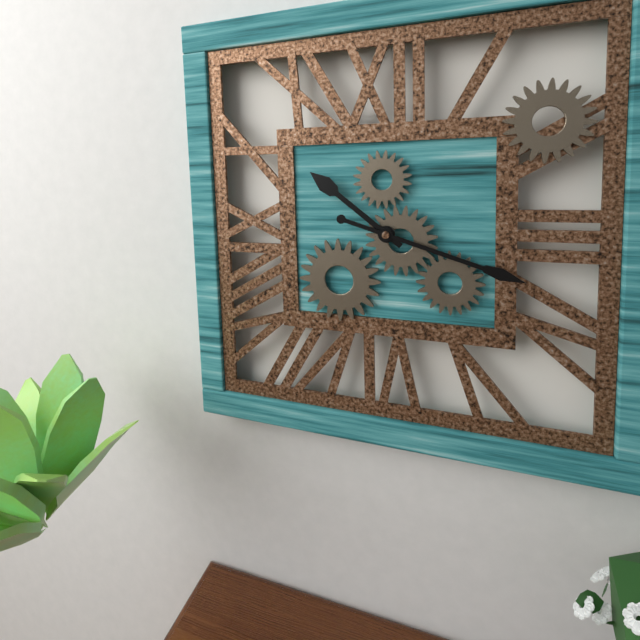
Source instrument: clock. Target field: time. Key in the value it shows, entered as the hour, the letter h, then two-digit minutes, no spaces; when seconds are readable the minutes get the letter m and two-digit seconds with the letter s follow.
10h18
